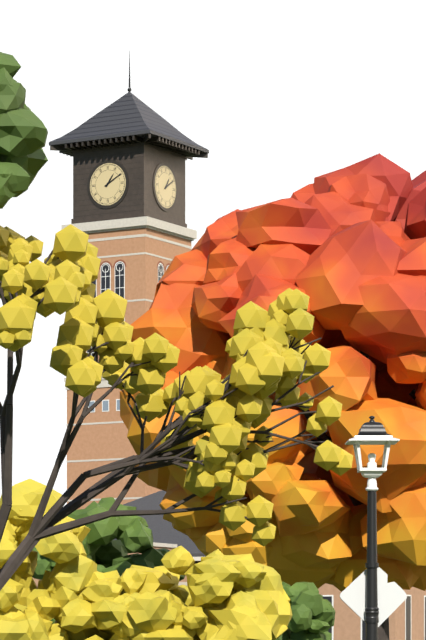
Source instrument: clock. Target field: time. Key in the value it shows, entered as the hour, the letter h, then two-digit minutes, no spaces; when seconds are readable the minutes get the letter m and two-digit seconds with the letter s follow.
1h10
